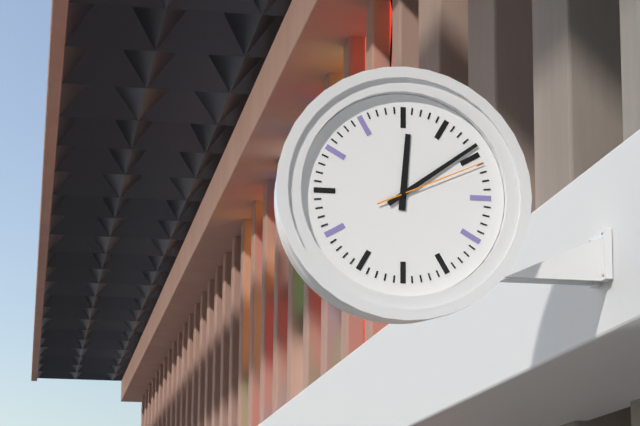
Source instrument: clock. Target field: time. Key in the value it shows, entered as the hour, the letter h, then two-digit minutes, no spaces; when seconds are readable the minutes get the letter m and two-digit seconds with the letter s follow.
12h09m11s
